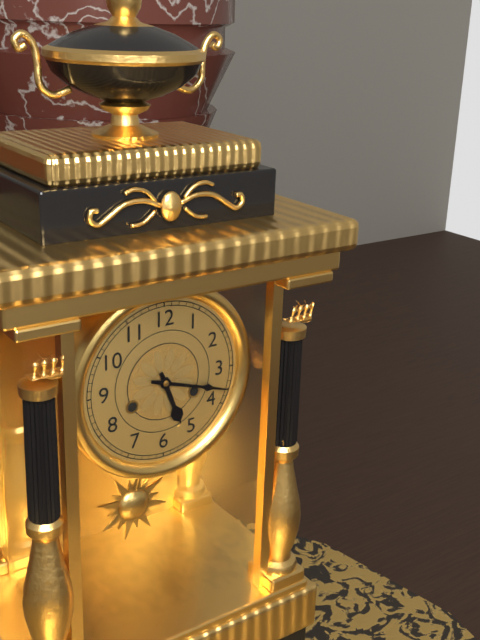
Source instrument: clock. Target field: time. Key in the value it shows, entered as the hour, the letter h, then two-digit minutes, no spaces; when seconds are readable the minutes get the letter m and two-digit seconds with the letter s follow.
5h18
